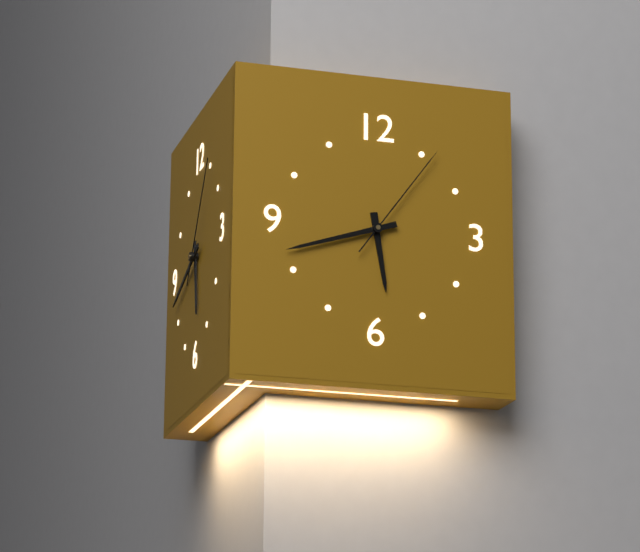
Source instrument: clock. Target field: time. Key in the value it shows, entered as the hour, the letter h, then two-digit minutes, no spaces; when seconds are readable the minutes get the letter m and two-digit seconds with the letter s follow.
5h42m06s
